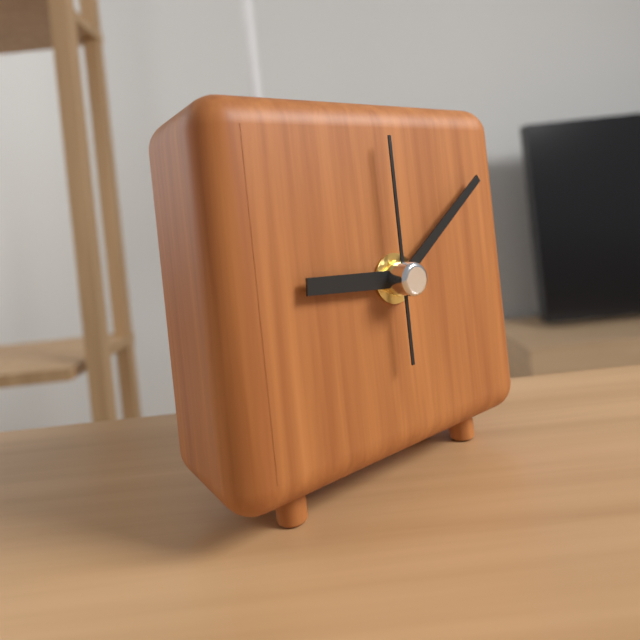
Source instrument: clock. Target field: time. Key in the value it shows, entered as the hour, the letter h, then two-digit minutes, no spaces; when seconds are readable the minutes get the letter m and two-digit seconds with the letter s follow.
9h09m00s
